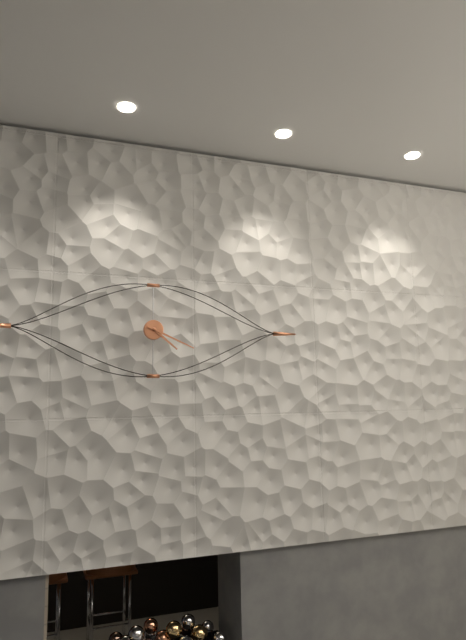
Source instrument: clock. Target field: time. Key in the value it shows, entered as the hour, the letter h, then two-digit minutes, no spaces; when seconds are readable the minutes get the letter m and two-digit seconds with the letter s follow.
4h19
